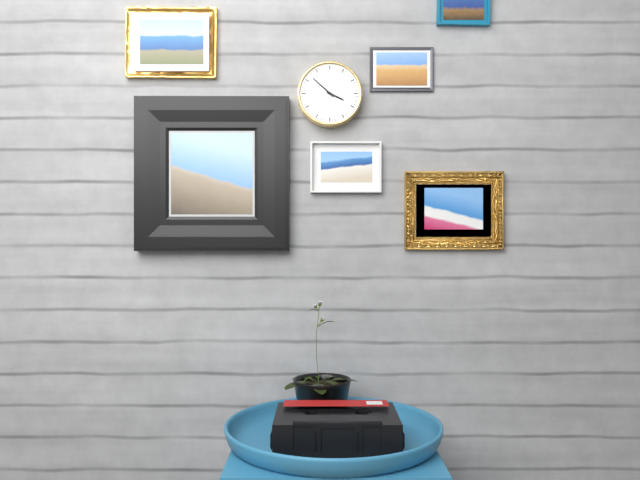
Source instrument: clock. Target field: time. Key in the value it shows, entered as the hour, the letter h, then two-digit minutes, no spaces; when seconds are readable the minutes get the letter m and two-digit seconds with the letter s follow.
3h52
